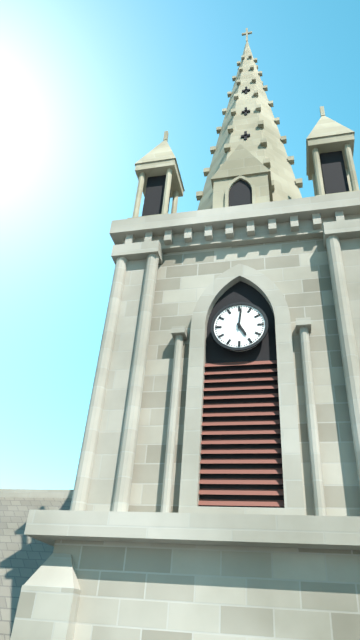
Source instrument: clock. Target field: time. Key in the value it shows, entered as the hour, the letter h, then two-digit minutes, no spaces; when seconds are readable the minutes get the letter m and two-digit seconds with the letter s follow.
5h01
